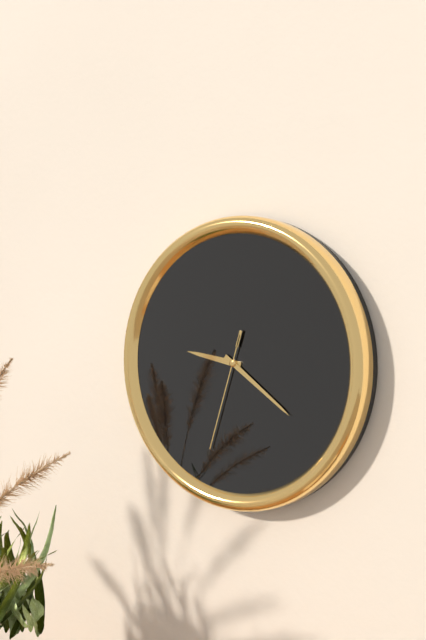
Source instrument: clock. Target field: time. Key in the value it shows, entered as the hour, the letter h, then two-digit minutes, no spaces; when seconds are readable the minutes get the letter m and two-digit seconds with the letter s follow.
9h21m33s
